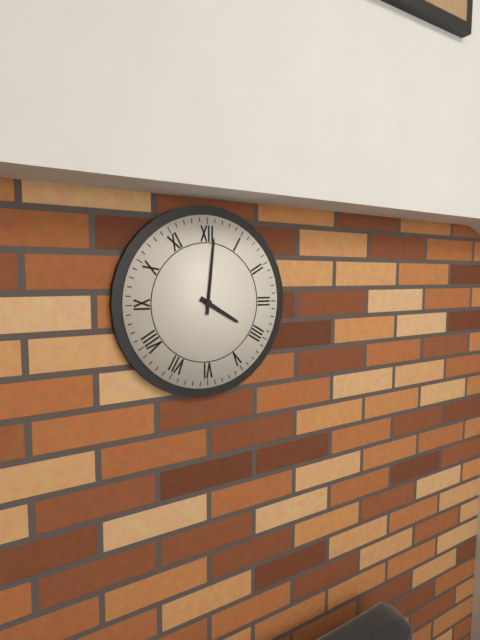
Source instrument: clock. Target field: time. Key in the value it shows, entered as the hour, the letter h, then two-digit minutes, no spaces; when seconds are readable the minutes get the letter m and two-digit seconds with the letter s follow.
4h01
